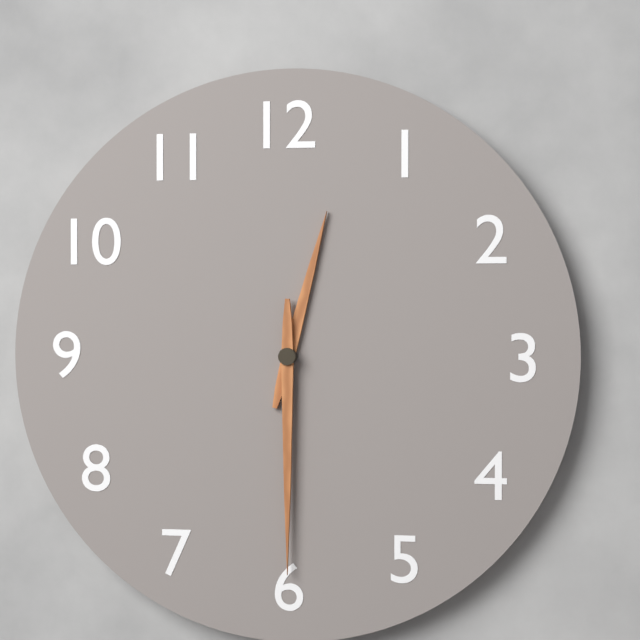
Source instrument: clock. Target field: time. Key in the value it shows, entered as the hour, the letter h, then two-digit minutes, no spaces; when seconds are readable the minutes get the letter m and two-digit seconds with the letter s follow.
12h30
